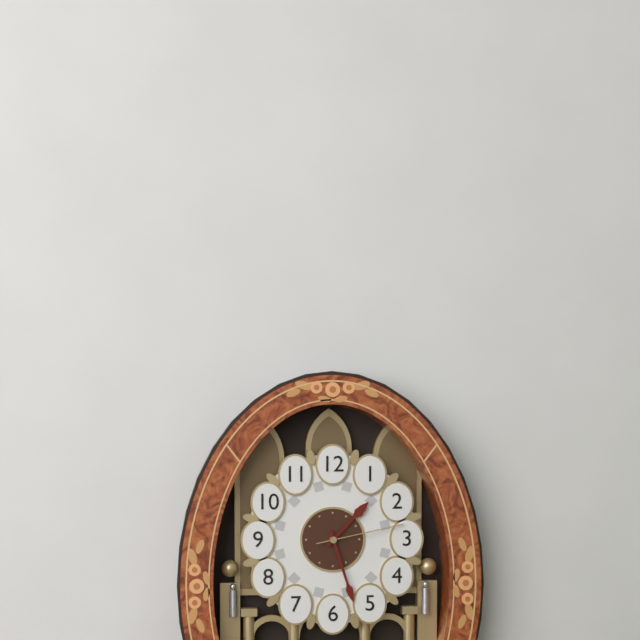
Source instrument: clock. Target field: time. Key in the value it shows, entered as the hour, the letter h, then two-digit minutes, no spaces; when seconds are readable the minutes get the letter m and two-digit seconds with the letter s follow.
1h27m13s
